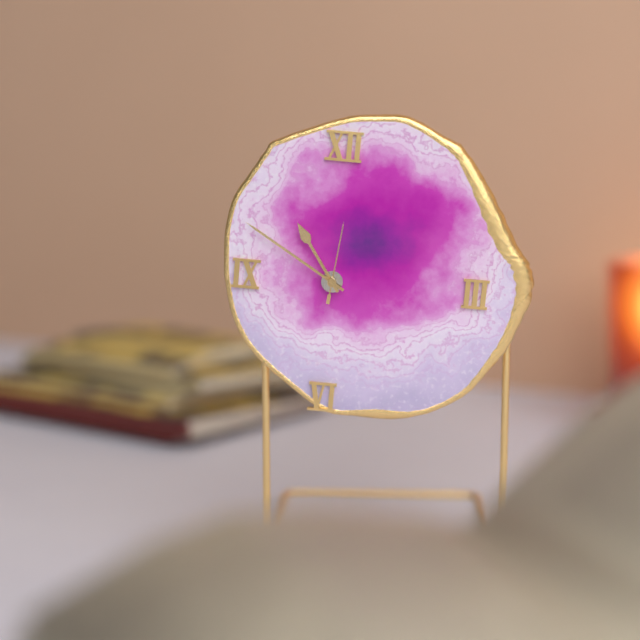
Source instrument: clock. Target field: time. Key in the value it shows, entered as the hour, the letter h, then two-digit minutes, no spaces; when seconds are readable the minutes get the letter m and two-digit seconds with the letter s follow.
10h50m01s
